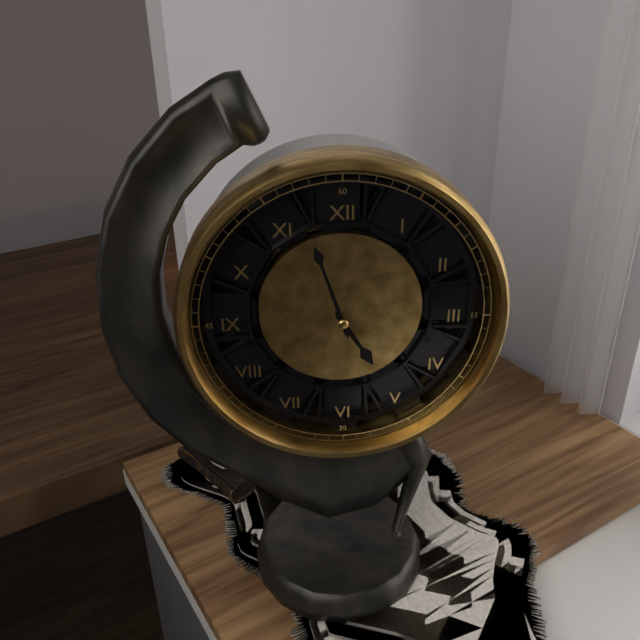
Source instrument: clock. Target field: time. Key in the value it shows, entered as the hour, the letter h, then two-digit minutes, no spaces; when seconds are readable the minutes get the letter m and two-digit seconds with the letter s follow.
4h57
